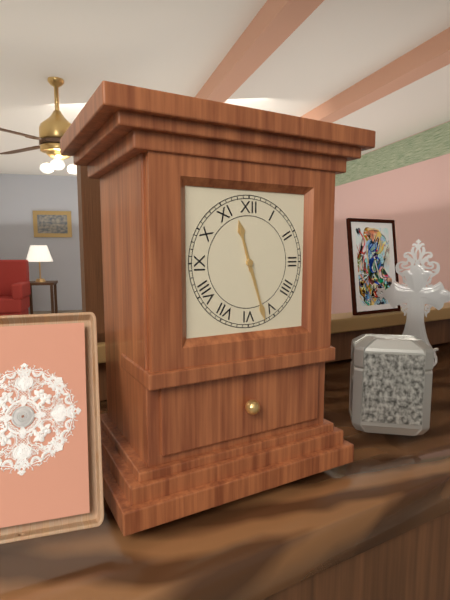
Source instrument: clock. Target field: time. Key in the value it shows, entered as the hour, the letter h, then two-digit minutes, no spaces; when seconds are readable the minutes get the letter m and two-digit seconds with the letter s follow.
11h27
